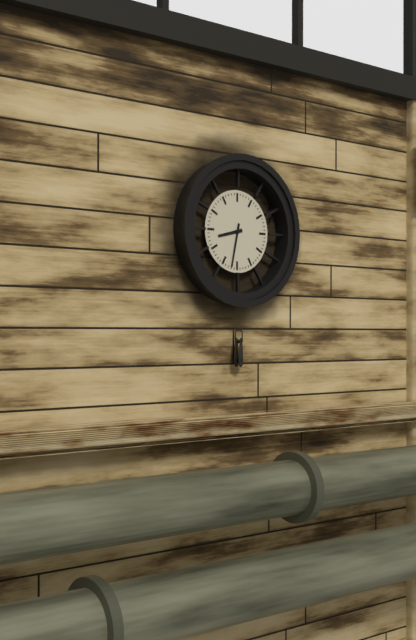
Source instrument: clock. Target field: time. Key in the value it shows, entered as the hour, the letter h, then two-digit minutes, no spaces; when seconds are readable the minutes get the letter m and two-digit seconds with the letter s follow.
8h32
